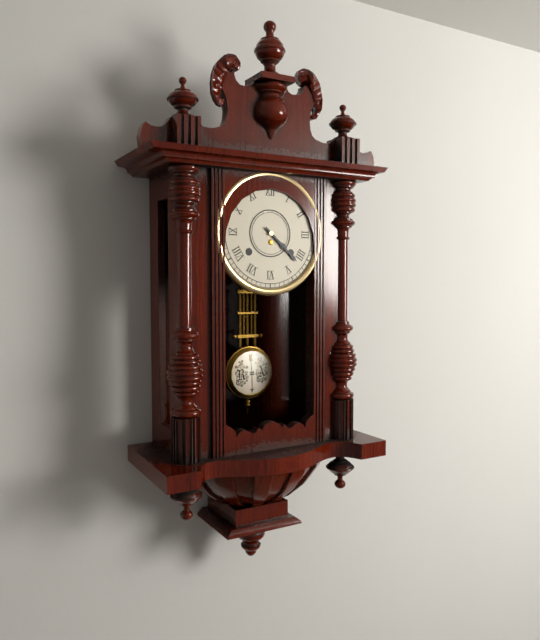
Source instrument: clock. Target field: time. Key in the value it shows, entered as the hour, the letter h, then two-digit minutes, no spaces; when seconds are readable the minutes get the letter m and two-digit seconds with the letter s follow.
4h22
